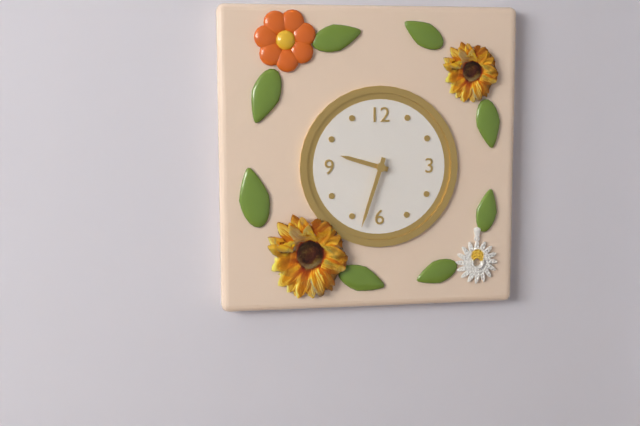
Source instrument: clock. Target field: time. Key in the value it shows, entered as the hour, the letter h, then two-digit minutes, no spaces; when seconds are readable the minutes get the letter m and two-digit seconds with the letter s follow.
9h33
